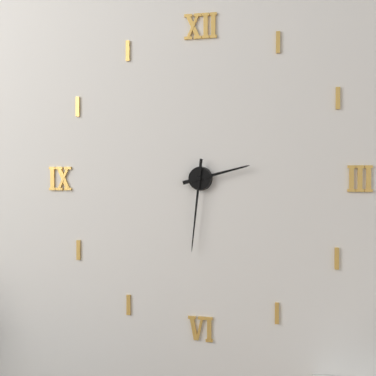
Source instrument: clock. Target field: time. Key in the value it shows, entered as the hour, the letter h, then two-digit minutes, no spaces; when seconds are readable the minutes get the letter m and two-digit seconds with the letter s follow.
2h31
